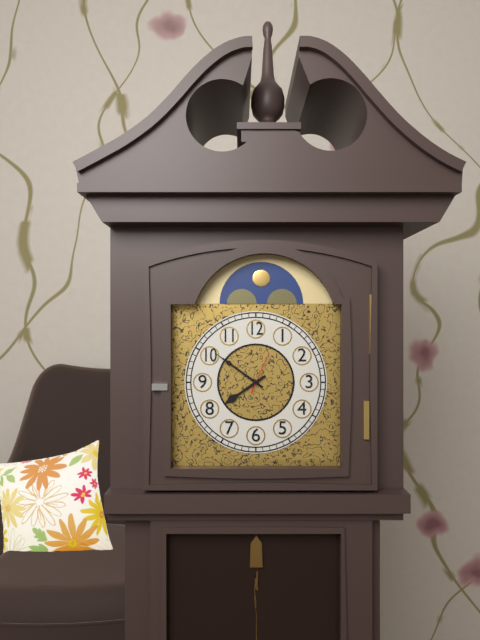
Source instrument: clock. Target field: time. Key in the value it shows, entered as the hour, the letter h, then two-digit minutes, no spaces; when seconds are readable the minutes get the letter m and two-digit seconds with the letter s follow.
7h51
